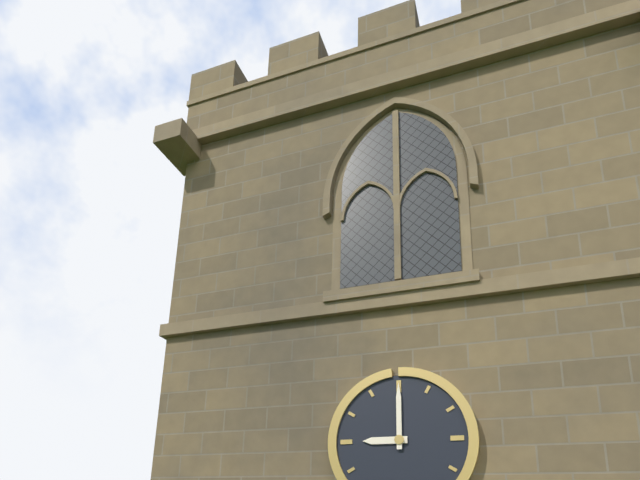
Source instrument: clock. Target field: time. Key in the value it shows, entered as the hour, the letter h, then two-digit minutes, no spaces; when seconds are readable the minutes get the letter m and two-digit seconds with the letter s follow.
9h00
